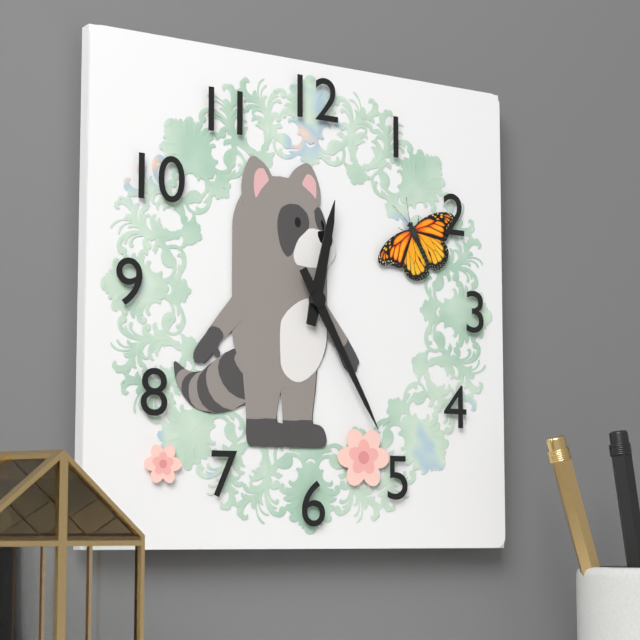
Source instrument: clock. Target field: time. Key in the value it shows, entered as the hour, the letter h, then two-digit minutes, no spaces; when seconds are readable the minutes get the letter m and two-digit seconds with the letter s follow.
12h25
